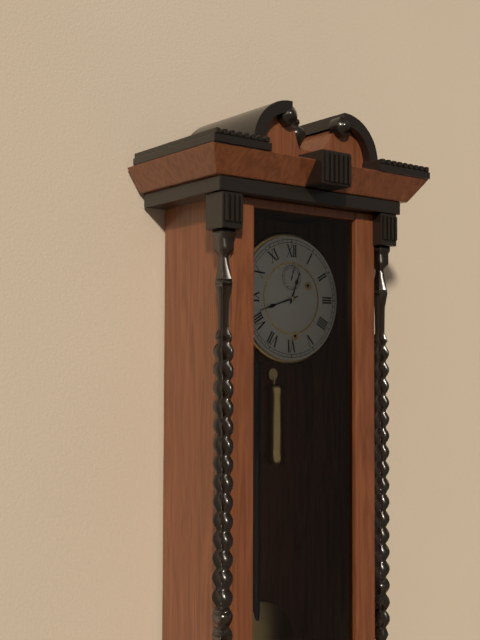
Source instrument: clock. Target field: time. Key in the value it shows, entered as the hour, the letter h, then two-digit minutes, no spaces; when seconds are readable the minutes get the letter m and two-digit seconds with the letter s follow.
12h42
